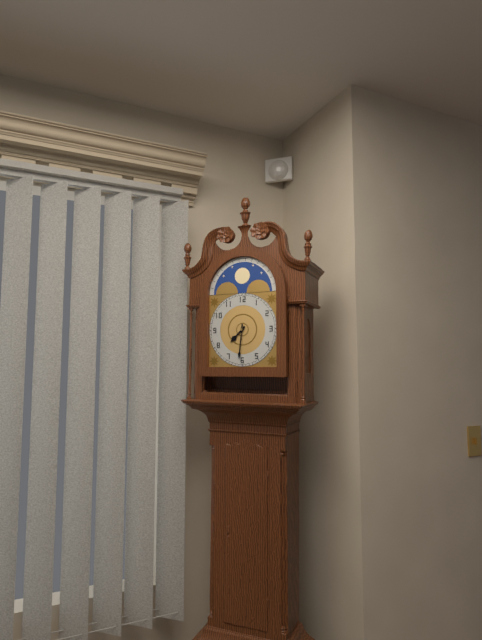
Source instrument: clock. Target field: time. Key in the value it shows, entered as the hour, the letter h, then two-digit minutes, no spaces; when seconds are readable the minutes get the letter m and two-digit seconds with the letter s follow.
7h31
